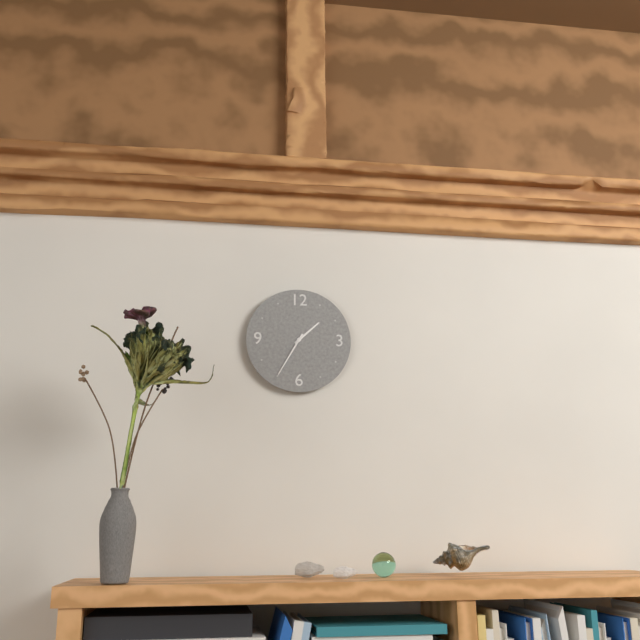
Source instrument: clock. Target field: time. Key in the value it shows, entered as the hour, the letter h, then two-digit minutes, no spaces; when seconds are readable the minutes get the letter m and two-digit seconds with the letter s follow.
1h35
